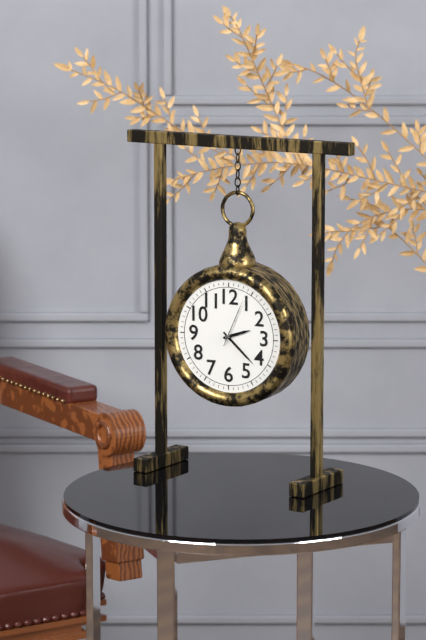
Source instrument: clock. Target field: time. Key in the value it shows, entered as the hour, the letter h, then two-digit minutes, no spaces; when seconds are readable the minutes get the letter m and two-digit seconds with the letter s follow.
2h22
